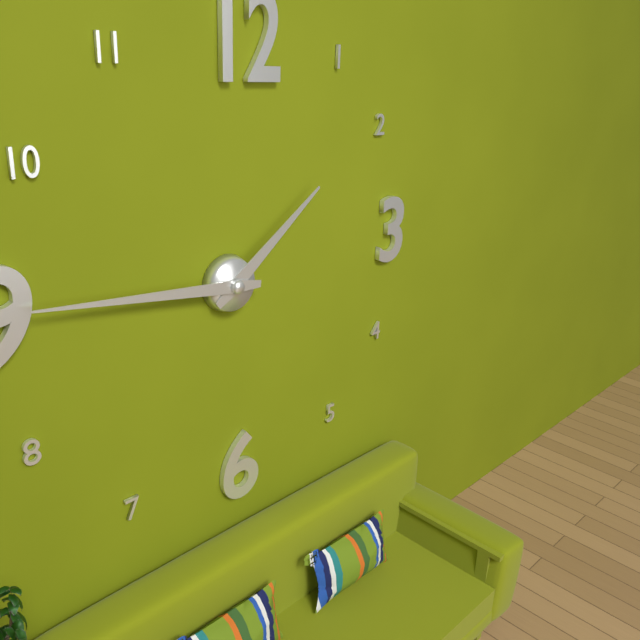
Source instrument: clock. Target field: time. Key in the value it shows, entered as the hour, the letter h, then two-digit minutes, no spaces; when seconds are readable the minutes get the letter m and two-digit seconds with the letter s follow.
1h46
